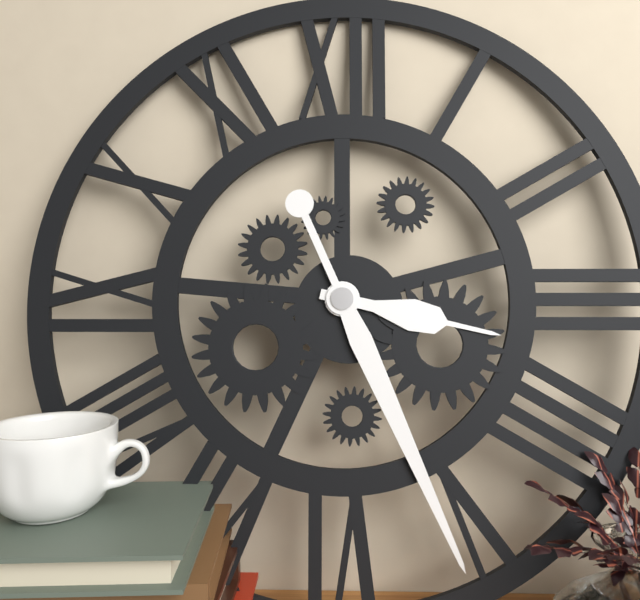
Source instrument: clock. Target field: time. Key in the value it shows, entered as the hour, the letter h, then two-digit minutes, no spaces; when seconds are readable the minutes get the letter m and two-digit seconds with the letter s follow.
3h26
